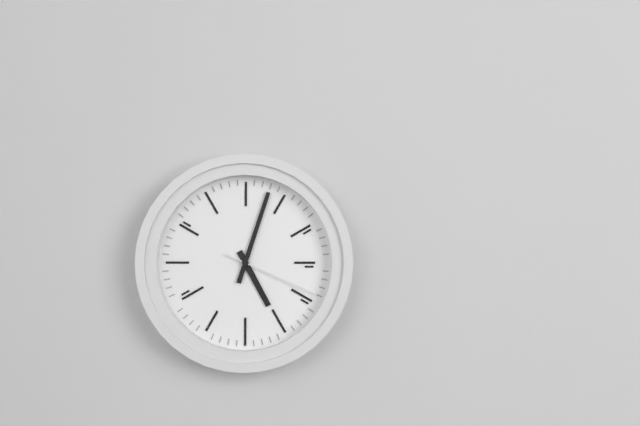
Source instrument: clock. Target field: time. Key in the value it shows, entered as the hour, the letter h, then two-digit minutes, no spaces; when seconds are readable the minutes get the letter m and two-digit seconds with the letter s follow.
5h03m19s
